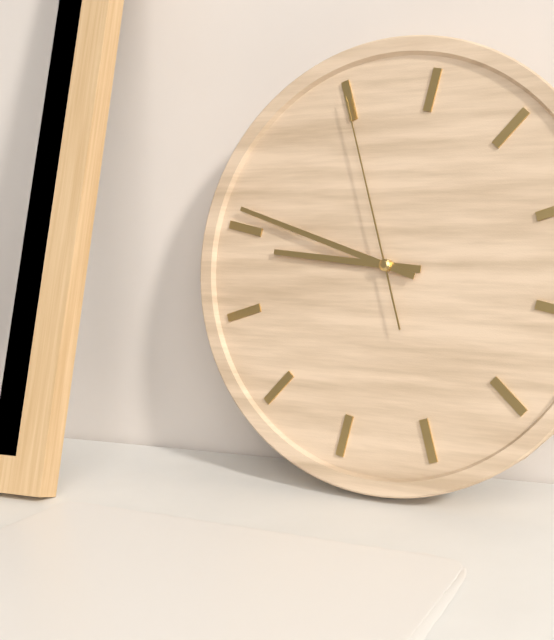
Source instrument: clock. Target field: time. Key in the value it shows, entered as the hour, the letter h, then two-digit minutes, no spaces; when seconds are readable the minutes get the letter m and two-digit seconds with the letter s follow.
8h46m55s
